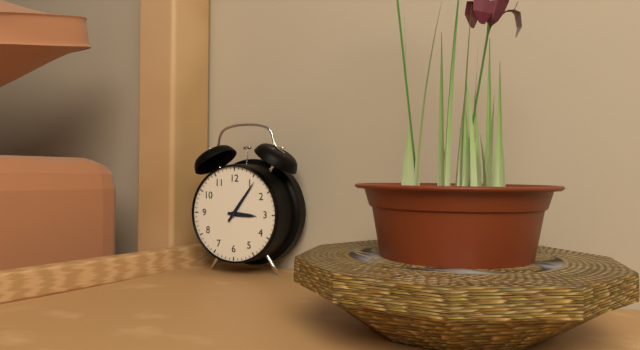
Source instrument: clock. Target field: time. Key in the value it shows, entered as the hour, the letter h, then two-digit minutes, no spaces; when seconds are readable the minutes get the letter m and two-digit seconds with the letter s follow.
3h06
